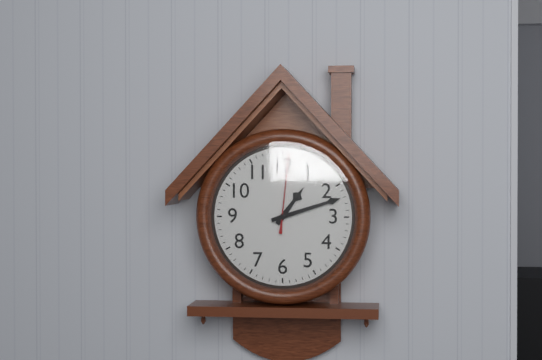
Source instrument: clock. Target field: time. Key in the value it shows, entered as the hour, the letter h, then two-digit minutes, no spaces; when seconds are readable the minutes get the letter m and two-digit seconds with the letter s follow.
1h12m01s
